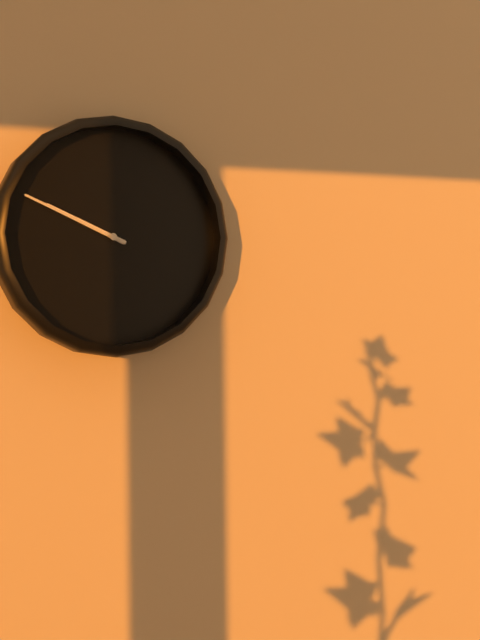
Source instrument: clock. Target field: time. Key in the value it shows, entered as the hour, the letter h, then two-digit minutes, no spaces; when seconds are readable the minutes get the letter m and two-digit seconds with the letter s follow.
9h49
